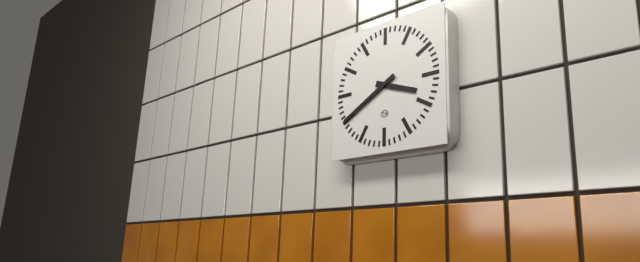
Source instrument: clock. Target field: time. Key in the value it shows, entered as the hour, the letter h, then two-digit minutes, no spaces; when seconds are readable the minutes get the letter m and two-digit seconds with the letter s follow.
3h40
